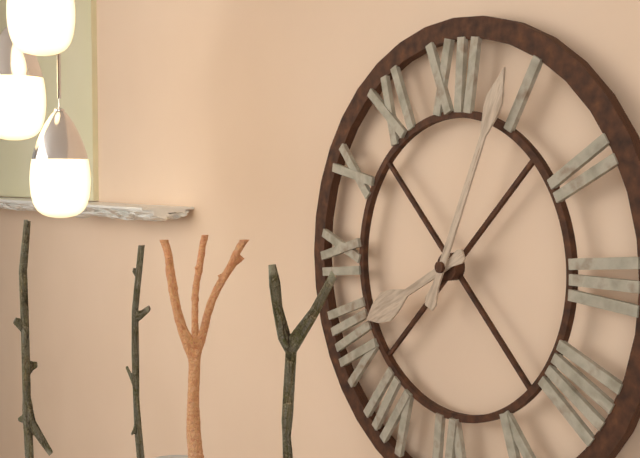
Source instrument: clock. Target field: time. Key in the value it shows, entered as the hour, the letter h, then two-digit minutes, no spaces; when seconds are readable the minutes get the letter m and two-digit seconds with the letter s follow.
8h04
